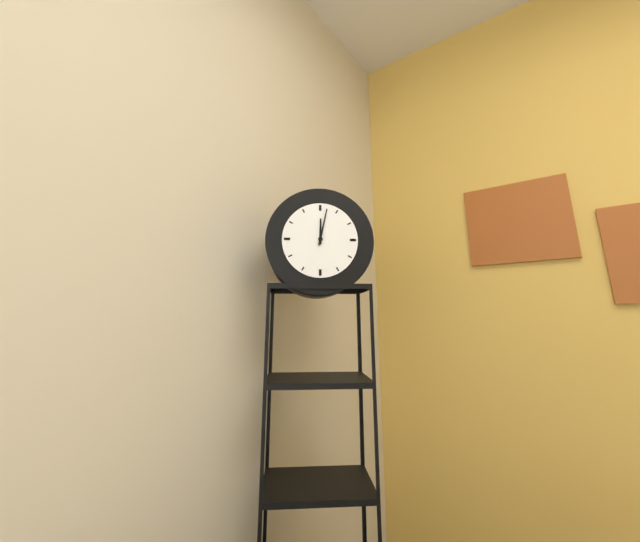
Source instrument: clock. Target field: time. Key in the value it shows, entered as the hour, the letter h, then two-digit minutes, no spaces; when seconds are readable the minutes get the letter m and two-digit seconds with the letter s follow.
12h02
